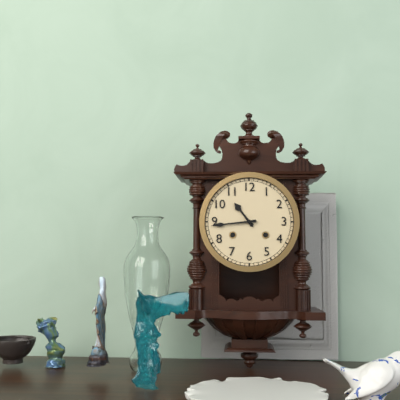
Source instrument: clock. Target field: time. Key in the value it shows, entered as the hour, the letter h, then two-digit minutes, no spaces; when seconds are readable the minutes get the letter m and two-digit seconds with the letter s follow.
10h44
